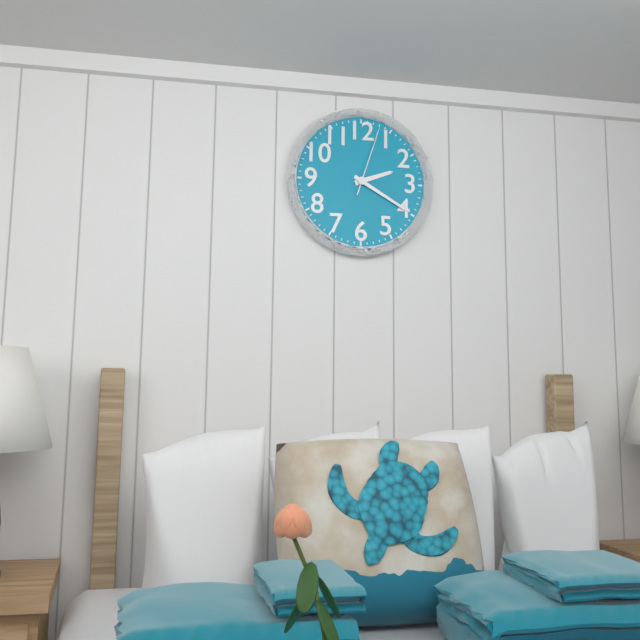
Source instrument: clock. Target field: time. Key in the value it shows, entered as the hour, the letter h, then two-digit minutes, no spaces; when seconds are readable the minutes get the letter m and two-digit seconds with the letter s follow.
2h20m03s
